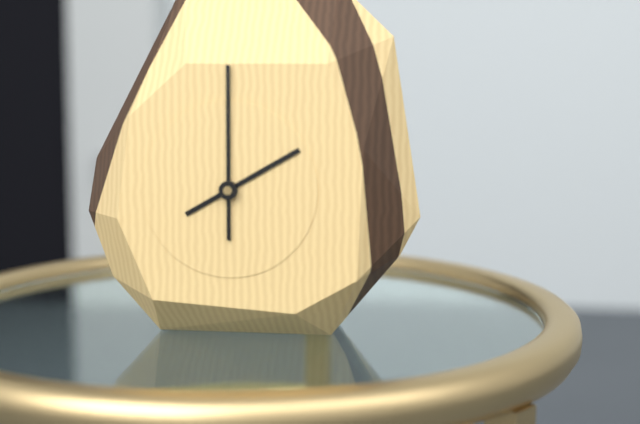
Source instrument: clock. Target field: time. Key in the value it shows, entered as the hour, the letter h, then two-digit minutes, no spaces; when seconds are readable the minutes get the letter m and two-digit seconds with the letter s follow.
2h00
